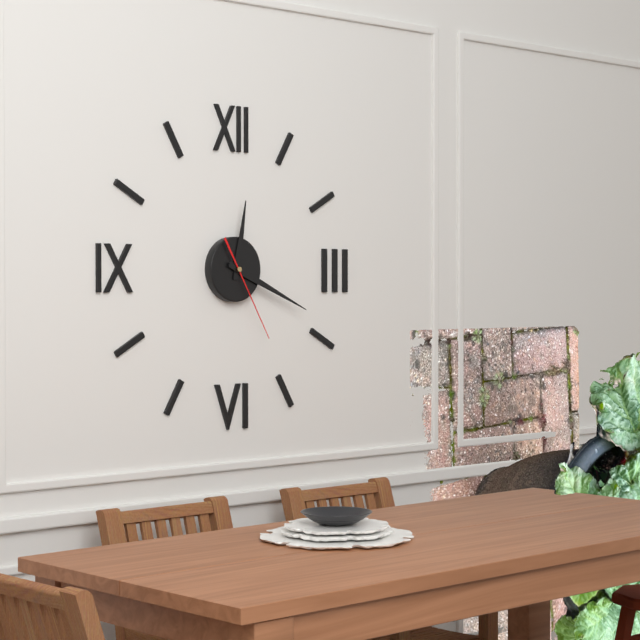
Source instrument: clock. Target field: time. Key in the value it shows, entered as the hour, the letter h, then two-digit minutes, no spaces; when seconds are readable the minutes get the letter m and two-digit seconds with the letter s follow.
12h19m25s
